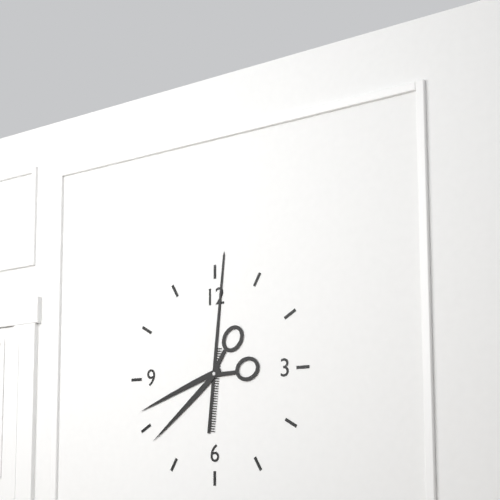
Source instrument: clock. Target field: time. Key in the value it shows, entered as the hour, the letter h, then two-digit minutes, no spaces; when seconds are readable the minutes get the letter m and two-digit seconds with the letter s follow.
8h01
